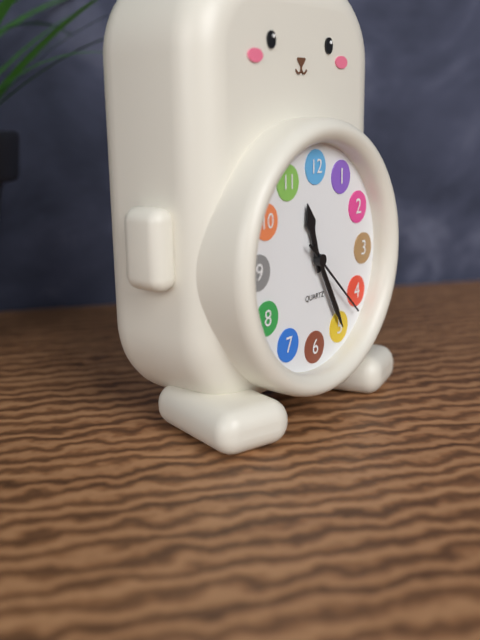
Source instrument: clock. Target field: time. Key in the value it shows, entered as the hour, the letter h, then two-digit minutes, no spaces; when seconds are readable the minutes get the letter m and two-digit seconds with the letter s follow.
11h25m22s
